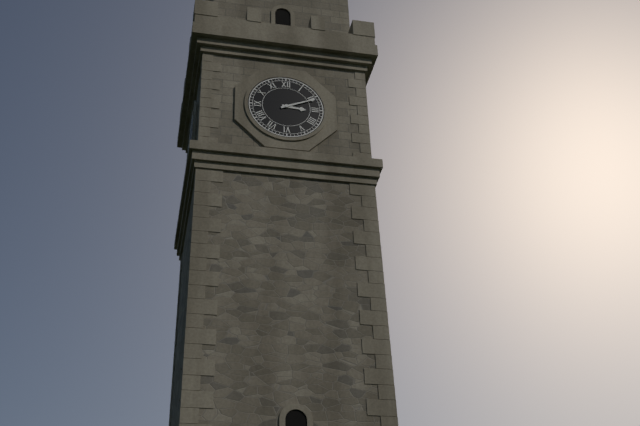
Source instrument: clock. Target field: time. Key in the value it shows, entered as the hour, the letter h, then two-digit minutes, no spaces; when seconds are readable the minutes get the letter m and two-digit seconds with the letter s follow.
3h11
